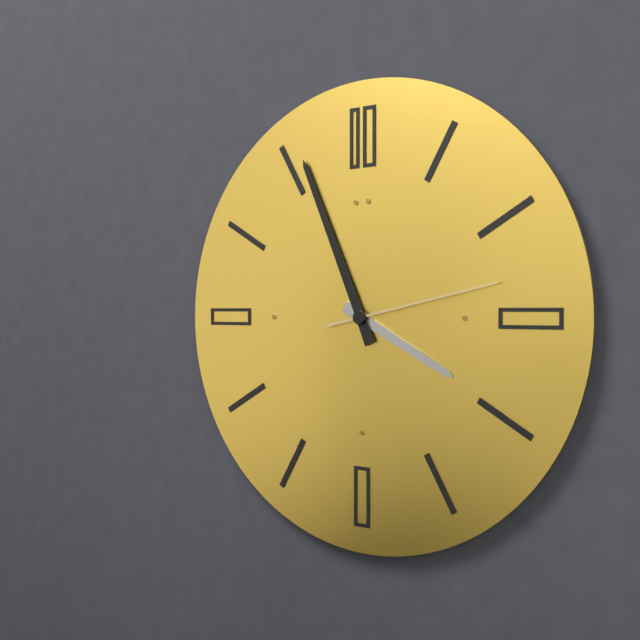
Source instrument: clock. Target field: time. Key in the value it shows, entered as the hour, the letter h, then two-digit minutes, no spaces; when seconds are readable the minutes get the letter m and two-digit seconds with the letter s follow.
3h56m13s
